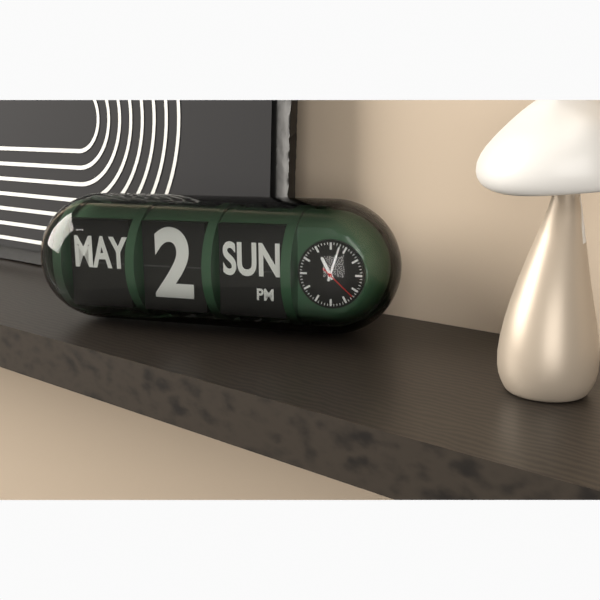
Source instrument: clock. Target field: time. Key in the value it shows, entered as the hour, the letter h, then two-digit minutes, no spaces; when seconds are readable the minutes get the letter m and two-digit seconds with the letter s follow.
11h03
